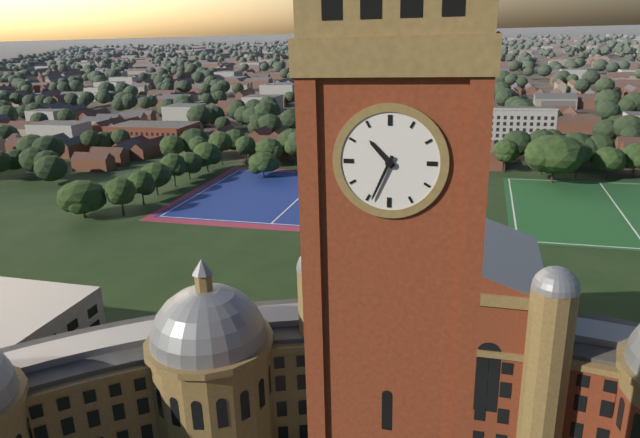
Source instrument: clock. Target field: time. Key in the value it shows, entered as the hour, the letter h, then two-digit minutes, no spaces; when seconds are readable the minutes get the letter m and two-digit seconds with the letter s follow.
10h34
